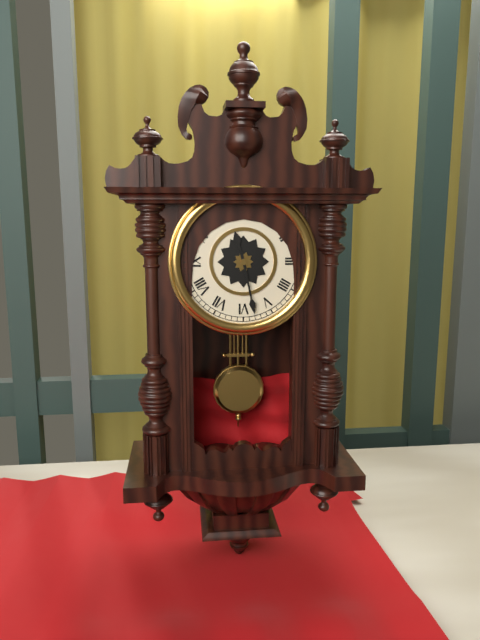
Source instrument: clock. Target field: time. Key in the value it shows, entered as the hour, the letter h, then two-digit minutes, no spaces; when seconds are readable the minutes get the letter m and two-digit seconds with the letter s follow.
11h28
